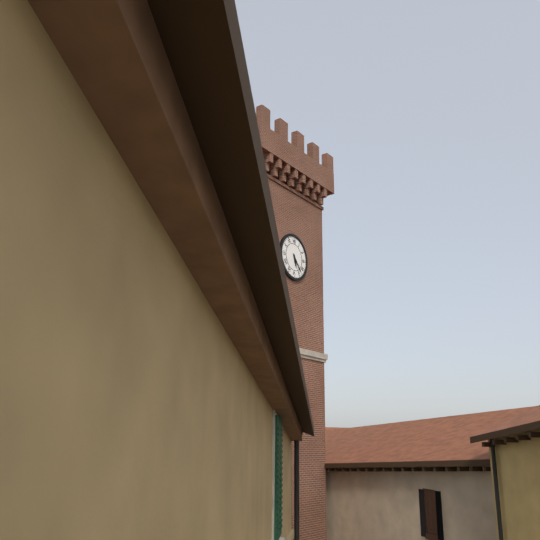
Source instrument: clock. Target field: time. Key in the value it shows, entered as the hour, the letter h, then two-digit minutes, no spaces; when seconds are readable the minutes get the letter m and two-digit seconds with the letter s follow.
5h23
